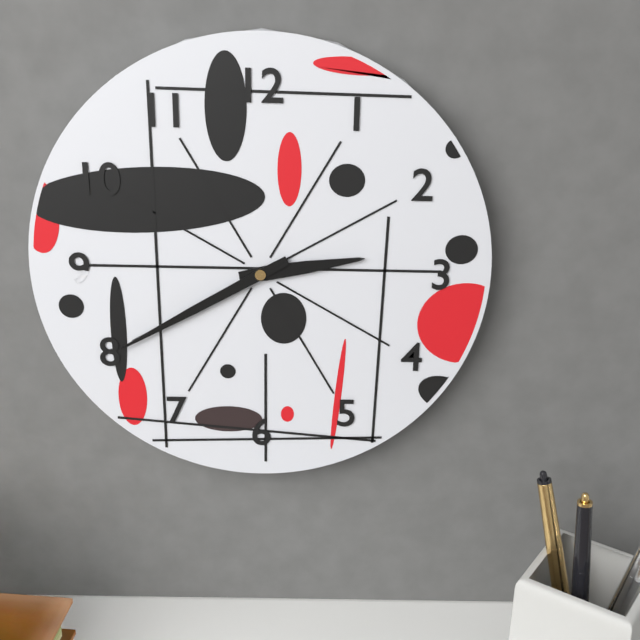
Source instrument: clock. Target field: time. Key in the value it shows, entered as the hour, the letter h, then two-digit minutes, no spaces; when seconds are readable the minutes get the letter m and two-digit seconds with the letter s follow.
2h40
